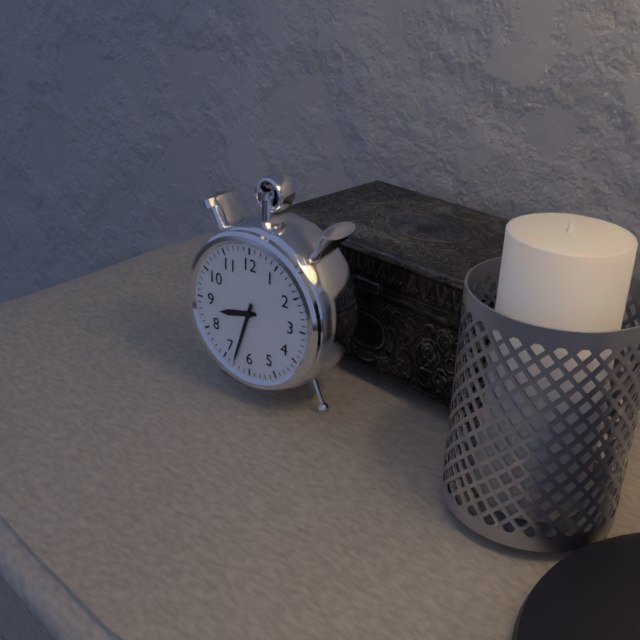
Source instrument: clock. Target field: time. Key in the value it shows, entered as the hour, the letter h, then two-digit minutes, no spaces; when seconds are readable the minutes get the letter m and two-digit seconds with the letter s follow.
8h33
